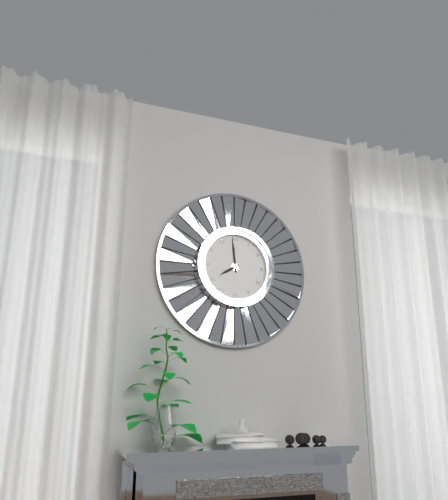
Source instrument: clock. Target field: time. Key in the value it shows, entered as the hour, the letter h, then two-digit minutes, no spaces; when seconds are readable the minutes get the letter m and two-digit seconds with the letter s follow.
7h59
